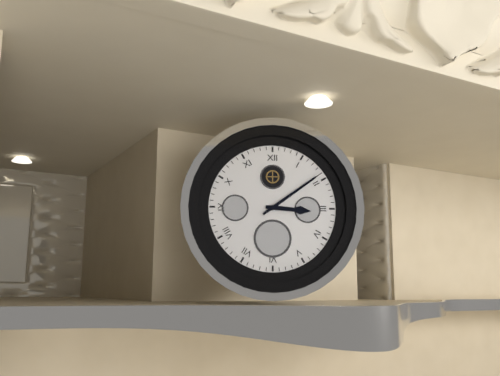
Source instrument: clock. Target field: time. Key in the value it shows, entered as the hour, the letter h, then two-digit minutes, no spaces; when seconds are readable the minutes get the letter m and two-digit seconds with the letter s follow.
3h09
